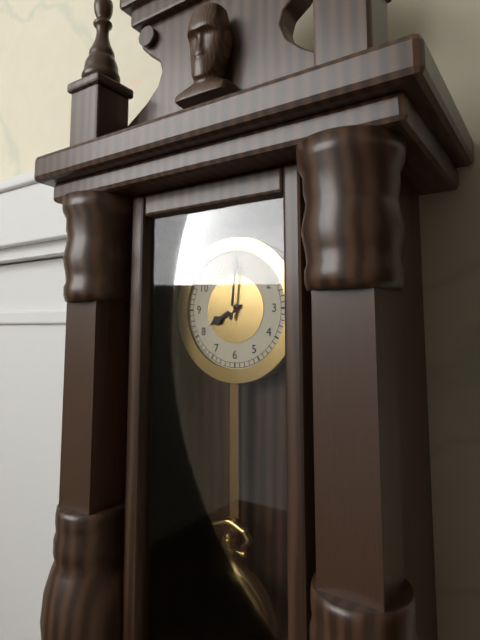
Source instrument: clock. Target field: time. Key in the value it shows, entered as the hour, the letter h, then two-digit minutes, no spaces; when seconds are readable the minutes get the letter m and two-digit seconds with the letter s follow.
8h01
